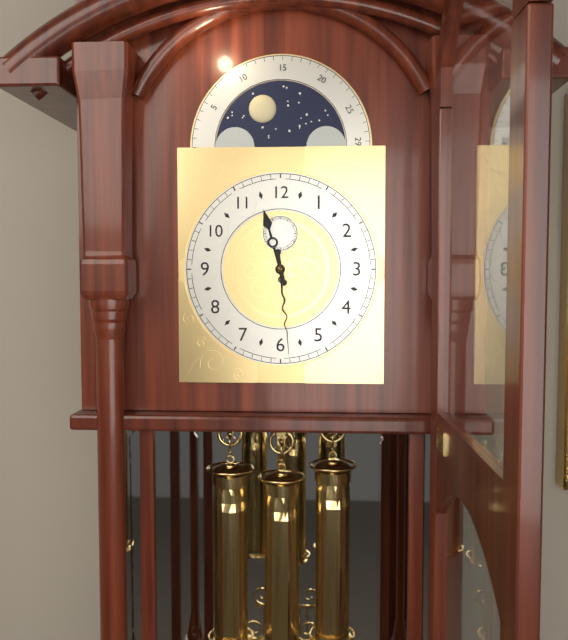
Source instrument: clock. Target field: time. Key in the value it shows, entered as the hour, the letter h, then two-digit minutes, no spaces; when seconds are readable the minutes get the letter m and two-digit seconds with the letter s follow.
11h29
